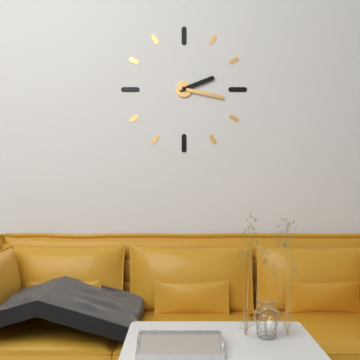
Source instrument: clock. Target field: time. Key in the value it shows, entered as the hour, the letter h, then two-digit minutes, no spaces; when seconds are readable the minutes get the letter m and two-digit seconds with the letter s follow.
2h17
